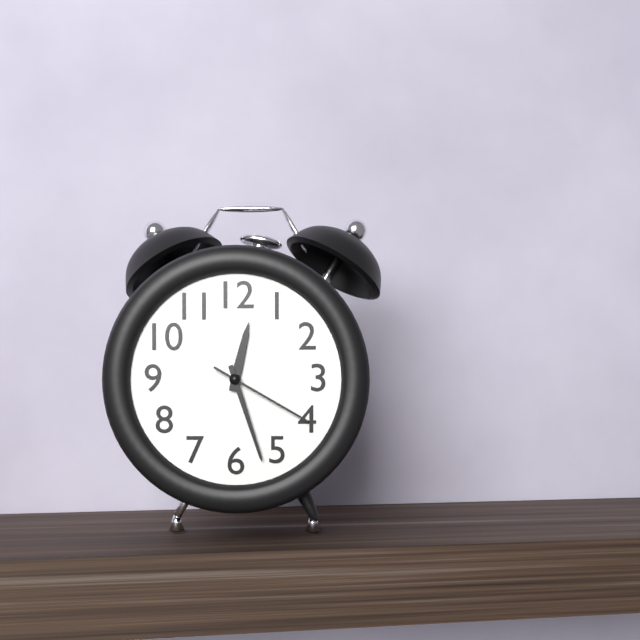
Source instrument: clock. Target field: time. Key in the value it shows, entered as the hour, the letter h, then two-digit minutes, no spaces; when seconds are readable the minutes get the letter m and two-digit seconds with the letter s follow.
12h27m20s
